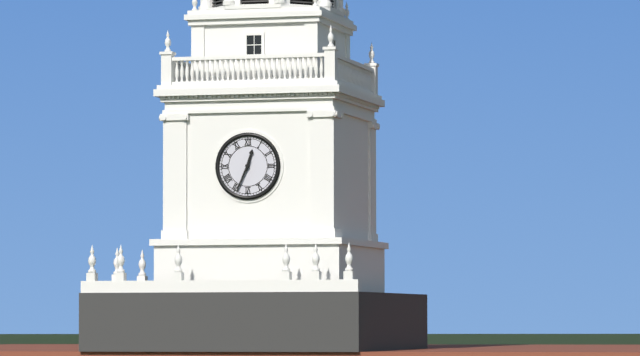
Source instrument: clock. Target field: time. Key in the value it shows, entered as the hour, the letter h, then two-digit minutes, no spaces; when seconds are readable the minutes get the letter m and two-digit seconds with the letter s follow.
12h34
